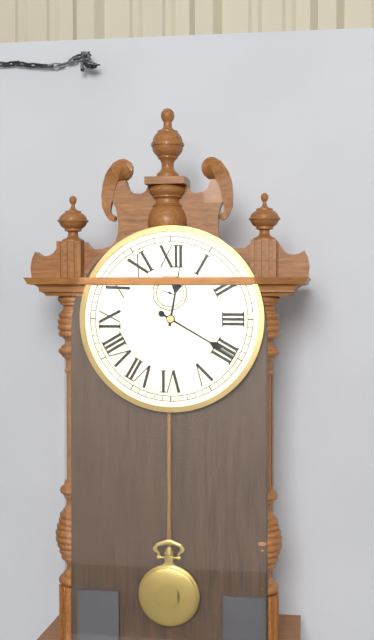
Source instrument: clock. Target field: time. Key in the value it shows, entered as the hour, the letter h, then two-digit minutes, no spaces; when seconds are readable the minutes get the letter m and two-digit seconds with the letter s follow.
12h20
